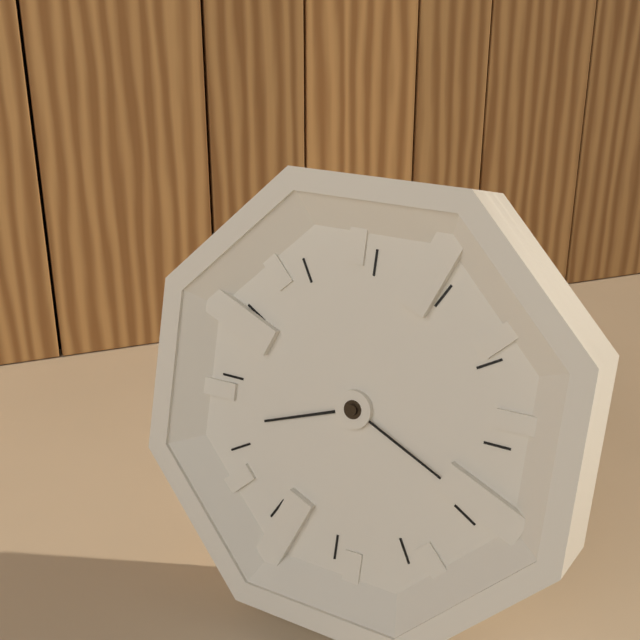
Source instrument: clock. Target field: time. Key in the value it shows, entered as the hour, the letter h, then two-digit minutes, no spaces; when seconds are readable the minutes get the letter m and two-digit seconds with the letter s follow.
8h19
